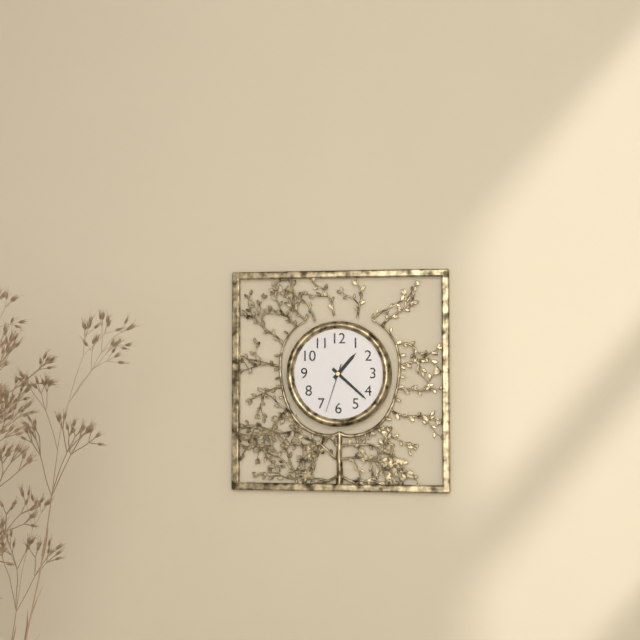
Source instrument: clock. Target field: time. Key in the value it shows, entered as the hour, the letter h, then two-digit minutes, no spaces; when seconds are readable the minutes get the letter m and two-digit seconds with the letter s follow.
1h22m33s
